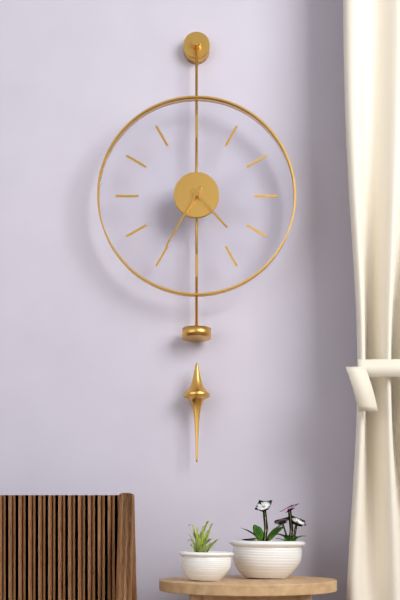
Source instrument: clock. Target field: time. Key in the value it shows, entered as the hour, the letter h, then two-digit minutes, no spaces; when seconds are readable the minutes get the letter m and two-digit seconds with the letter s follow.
4h35
